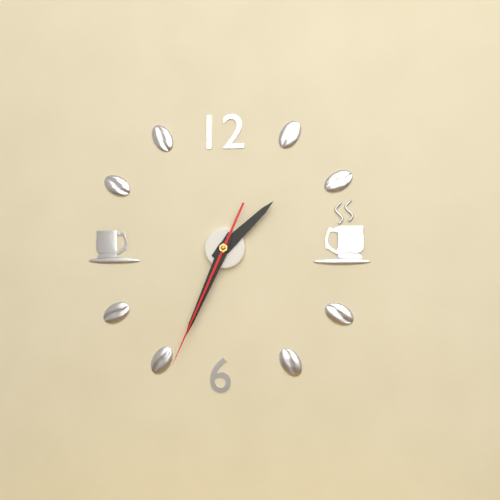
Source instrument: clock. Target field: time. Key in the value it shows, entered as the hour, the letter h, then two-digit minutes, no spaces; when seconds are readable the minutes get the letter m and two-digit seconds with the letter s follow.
1h34m34s
